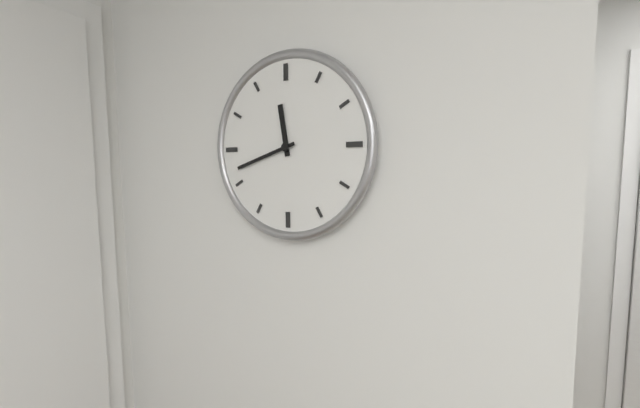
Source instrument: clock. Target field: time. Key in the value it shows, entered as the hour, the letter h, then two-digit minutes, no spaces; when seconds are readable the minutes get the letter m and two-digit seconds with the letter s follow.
11h42
